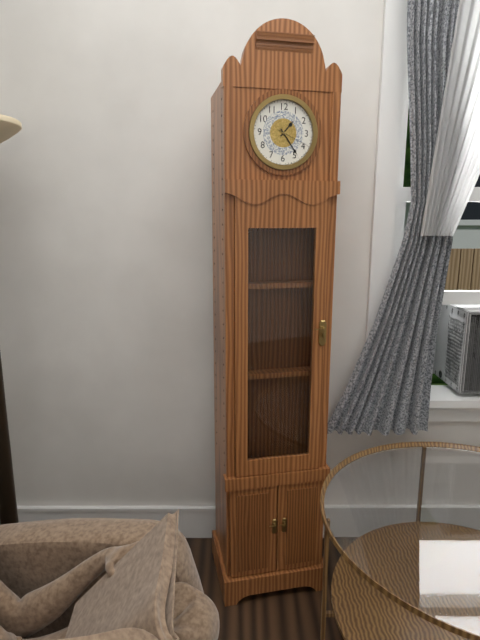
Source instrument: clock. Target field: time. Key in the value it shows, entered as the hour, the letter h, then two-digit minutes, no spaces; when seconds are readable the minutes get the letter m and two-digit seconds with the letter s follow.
1h24
